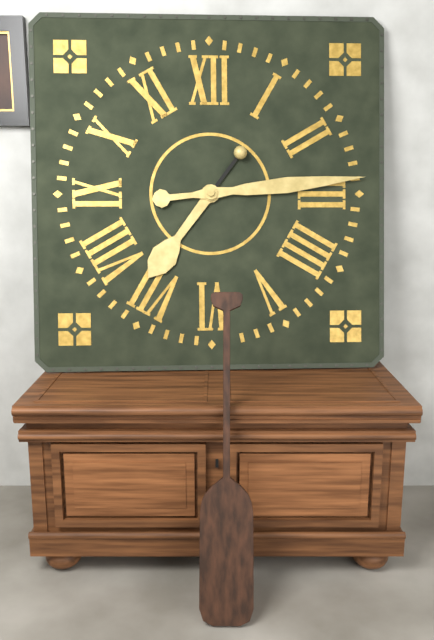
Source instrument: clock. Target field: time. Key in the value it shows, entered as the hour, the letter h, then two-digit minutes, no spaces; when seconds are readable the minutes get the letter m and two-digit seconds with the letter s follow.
7h14
